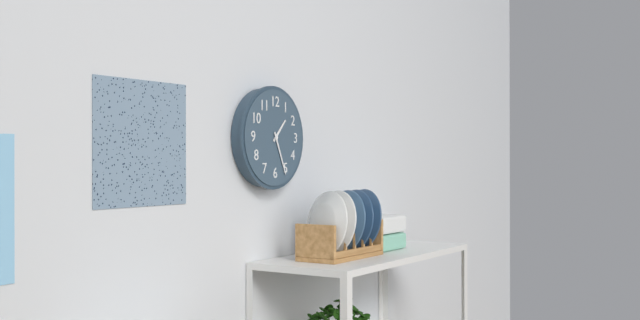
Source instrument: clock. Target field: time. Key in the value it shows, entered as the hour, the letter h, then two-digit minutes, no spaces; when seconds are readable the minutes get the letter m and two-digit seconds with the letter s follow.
1h26
